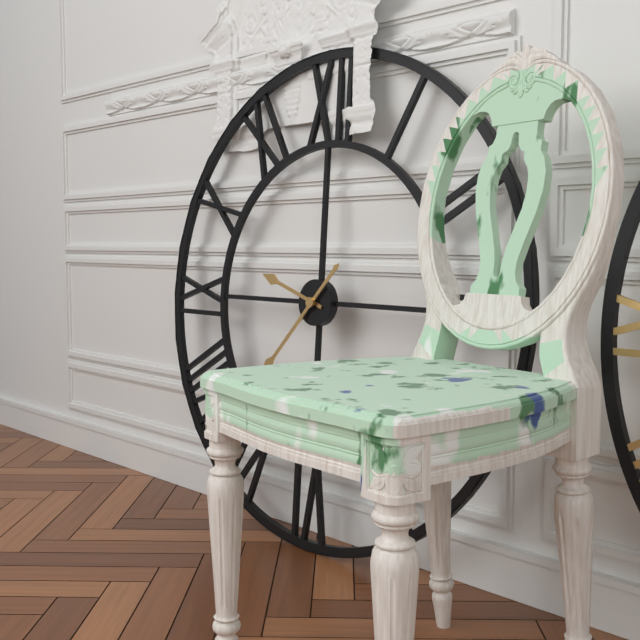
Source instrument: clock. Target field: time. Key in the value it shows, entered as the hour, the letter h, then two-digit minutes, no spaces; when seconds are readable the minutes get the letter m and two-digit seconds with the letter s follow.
9h37
